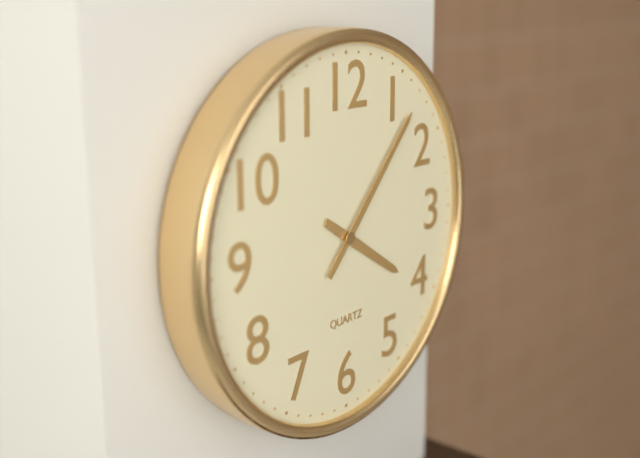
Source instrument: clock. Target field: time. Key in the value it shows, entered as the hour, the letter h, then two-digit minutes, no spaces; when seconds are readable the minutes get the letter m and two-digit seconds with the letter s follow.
4h07
